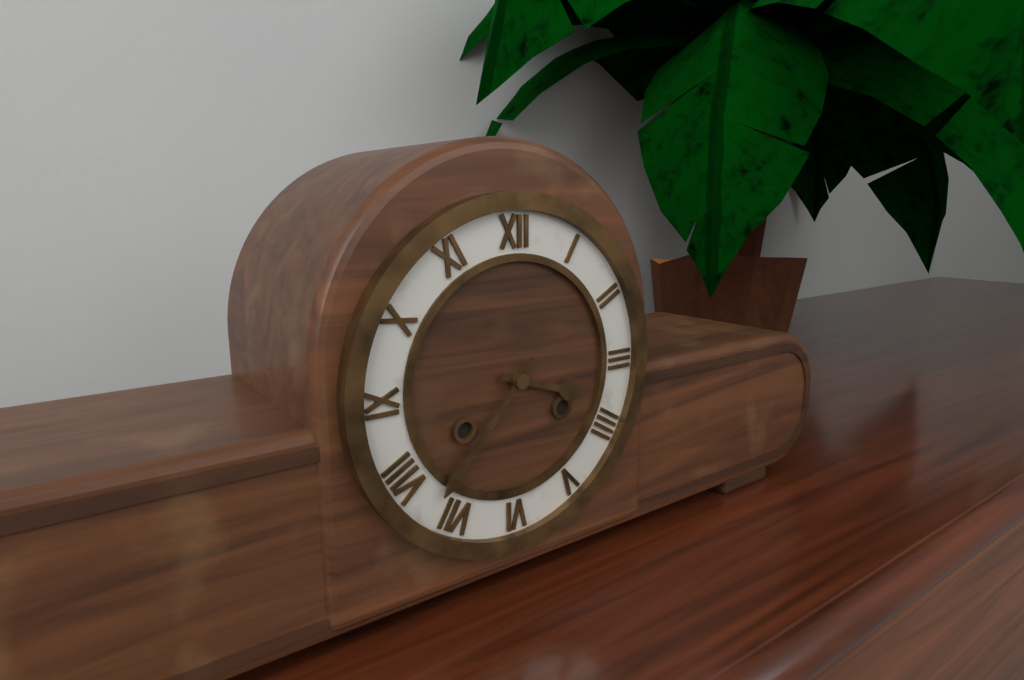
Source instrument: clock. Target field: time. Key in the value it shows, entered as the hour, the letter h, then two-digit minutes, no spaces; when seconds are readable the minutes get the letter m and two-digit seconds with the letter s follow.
3h37
